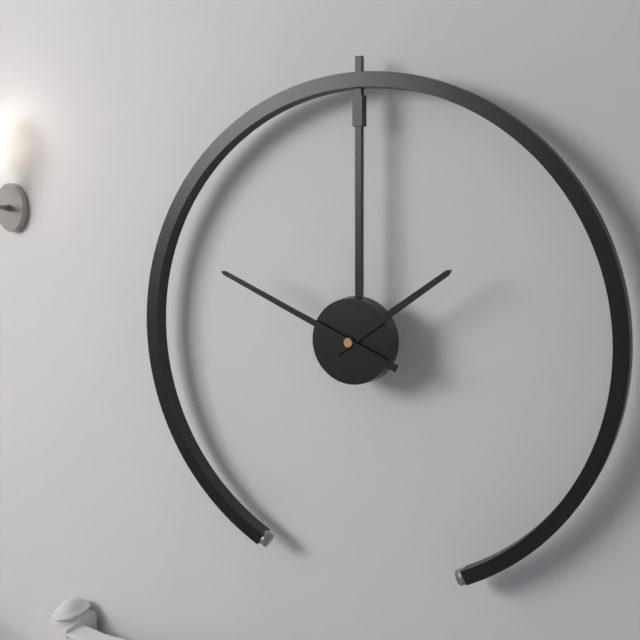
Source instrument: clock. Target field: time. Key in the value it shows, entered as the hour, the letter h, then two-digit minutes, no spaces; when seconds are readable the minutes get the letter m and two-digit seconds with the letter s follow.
1h49
